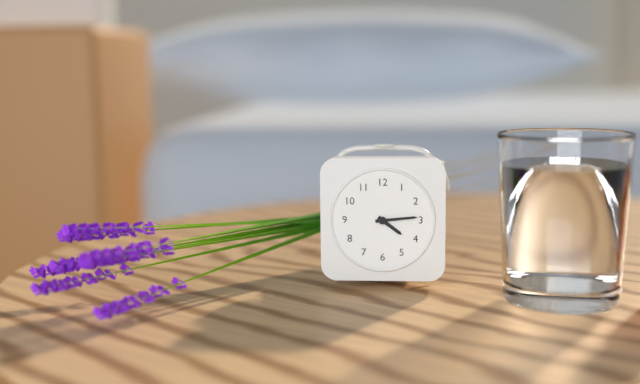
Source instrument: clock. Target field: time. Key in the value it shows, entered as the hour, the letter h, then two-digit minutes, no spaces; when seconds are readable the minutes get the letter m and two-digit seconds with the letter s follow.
4h14
